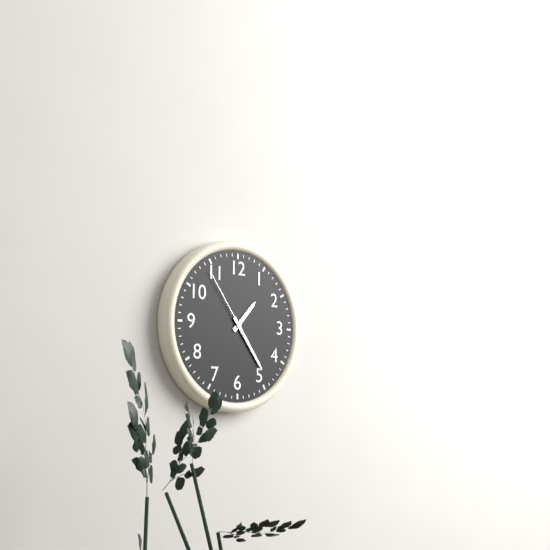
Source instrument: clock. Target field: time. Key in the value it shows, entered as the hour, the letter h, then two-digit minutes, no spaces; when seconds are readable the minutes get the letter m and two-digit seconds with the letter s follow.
1h24m54s
